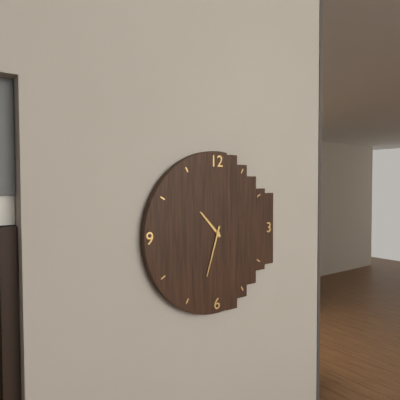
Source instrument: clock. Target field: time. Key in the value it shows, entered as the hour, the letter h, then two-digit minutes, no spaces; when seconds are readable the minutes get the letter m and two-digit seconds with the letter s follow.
10h33
